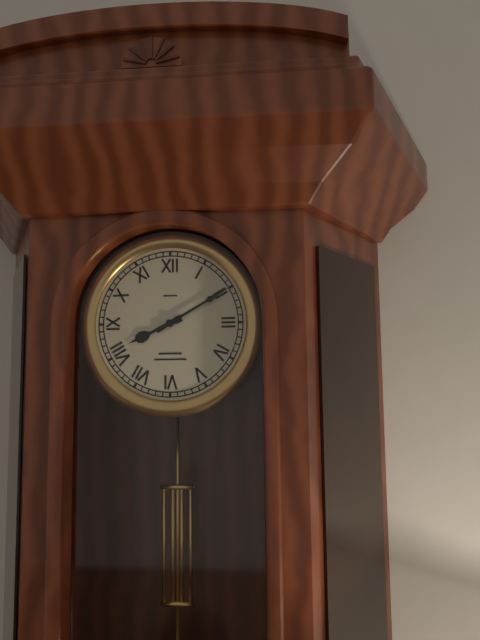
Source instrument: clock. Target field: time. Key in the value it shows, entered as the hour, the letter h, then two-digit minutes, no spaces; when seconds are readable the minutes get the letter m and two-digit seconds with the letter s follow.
8h10
